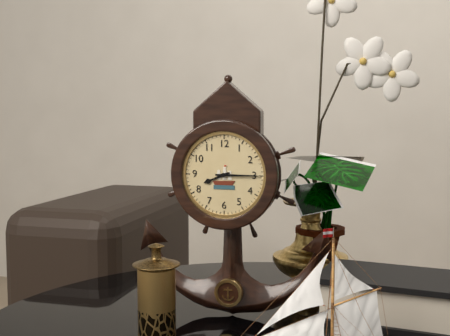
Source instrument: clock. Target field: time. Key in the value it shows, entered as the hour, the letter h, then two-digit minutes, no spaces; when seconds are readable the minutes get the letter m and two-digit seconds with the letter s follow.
8h15
